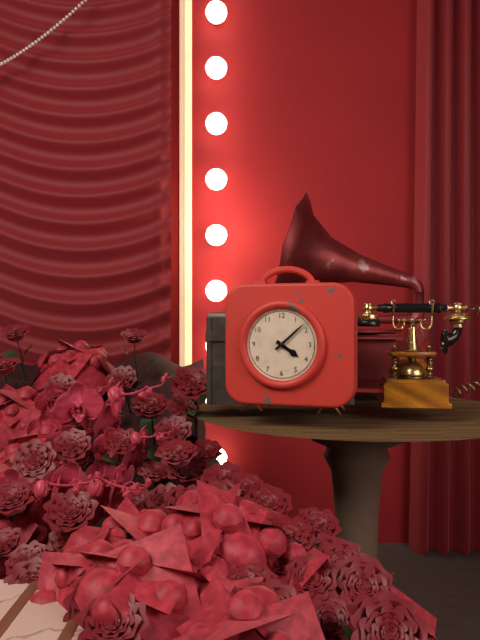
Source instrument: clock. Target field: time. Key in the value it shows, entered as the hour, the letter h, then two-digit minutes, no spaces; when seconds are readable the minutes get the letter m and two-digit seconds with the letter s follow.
4h08
